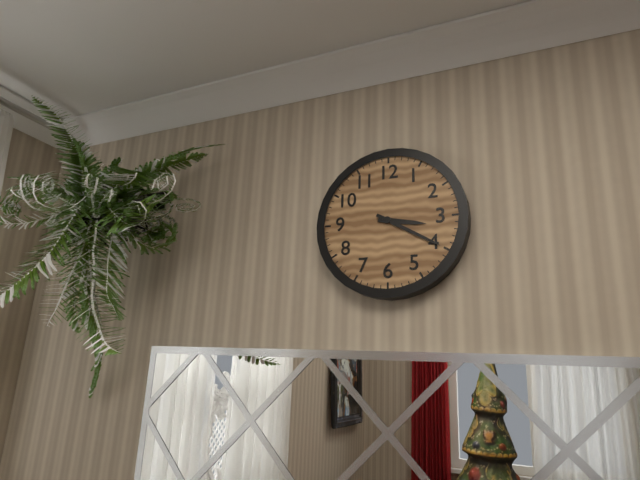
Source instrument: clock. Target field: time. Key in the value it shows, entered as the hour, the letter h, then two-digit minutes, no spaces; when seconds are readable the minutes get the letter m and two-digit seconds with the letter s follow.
3h20
